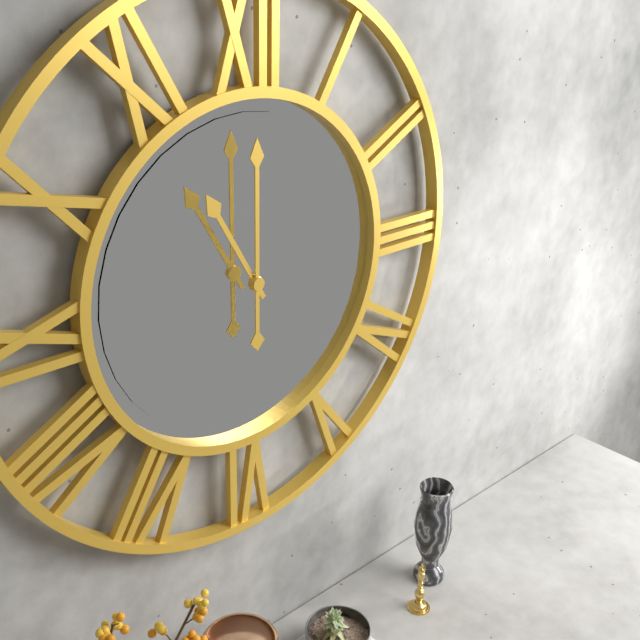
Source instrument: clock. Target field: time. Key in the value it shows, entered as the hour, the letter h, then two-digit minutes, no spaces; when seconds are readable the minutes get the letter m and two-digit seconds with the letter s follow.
11h00
